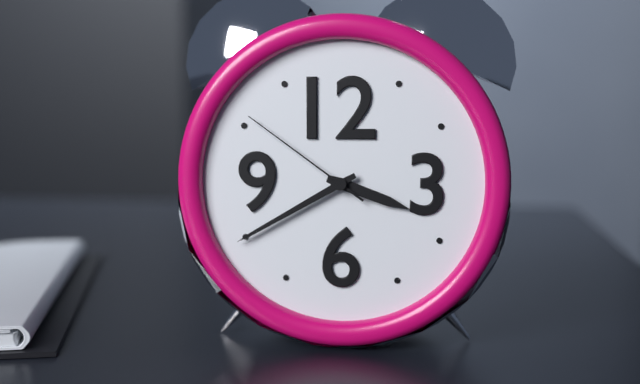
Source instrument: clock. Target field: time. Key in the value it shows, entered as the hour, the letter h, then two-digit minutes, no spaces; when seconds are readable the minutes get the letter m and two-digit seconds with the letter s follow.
3h40m51s
